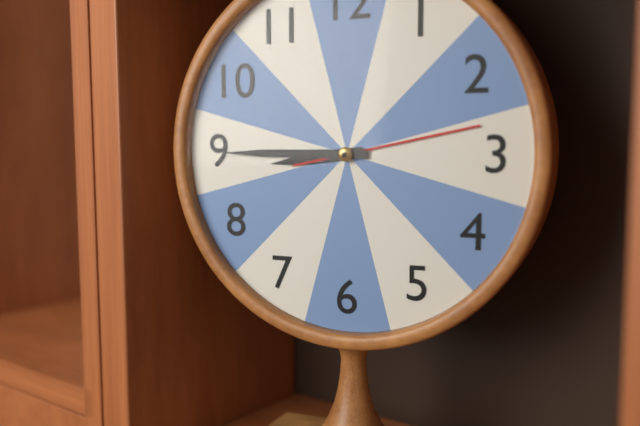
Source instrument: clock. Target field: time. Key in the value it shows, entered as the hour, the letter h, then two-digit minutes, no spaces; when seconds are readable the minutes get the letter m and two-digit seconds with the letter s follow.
8h45m13s
